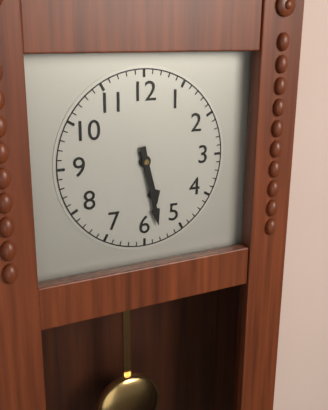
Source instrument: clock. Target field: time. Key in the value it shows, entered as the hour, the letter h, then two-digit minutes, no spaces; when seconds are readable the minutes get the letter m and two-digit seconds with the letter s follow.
5h28
